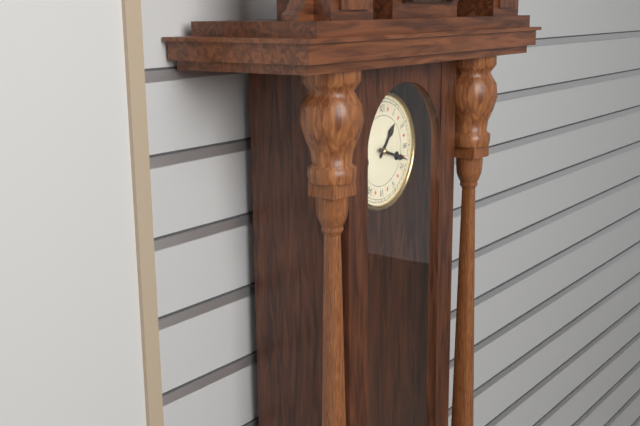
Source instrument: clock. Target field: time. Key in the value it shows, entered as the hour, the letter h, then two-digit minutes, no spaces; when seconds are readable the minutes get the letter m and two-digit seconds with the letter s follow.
1h18
